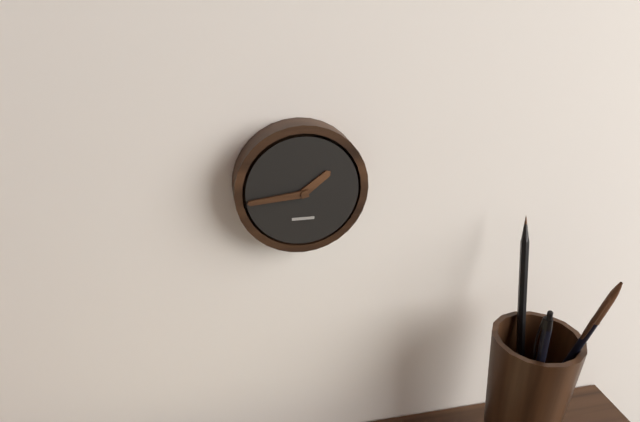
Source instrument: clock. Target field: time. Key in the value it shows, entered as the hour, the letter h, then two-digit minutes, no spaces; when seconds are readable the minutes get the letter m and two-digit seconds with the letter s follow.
1h44
